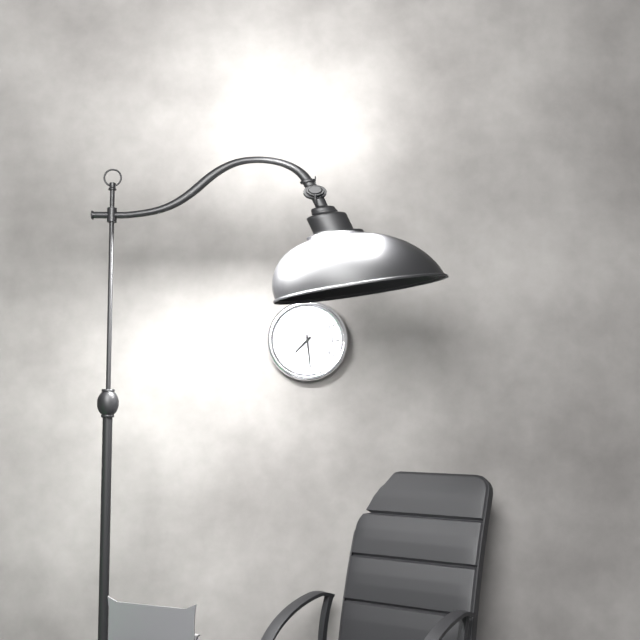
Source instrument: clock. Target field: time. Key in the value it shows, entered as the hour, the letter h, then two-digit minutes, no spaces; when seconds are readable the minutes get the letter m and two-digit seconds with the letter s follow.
7h29
